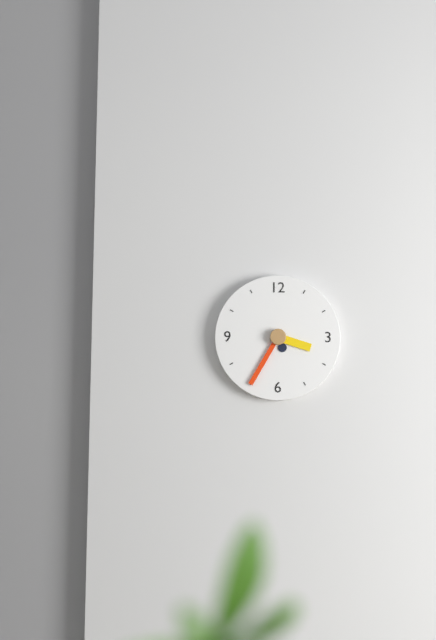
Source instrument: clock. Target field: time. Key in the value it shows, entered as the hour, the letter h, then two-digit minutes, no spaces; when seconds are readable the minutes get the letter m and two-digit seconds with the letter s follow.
3h35
